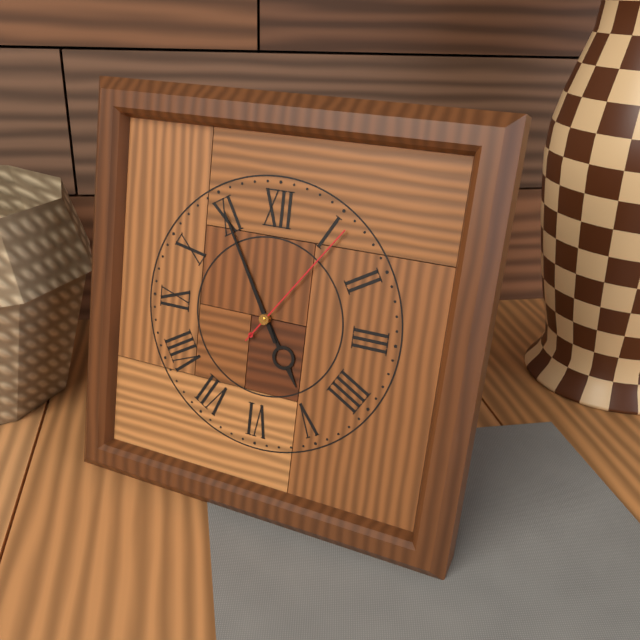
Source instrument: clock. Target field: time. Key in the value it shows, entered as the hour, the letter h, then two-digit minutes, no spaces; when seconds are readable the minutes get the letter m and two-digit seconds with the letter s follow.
4h55m06s
